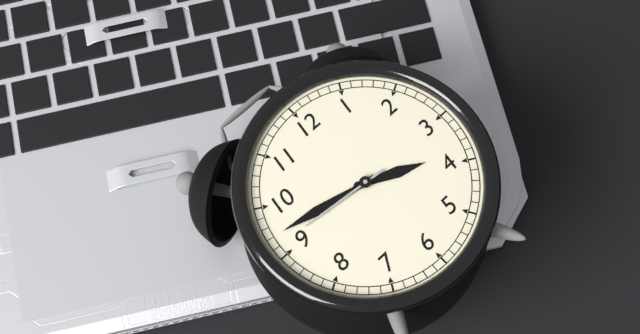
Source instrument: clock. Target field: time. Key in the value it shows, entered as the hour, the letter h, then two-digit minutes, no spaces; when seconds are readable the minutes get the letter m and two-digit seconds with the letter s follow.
3h47m46s
